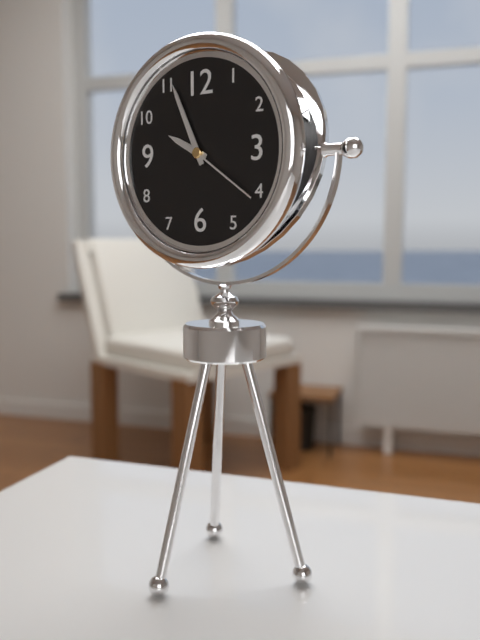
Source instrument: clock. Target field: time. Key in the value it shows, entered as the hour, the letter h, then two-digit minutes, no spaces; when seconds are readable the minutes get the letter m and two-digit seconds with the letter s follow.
9h56m21s
